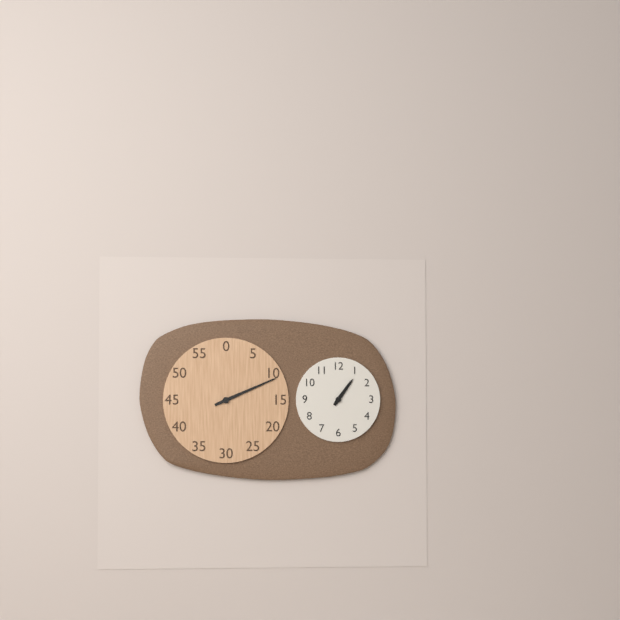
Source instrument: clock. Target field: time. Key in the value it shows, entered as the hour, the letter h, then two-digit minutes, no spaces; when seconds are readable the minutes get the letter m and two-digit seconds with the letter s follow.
1h11
